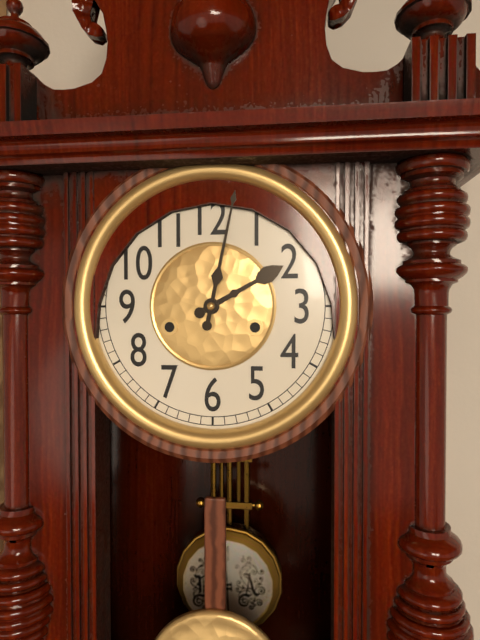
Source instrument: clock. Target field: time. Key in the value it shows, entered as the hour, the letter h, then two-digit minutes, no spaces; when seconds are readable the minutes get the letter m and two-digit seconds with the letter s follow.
2h02
